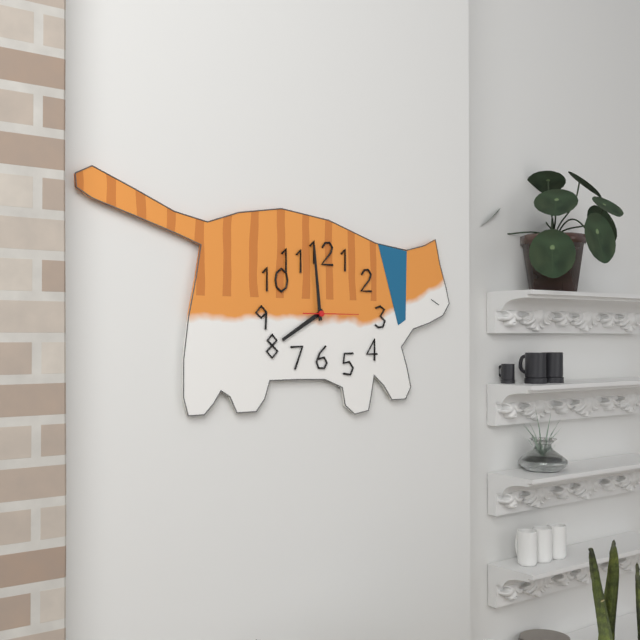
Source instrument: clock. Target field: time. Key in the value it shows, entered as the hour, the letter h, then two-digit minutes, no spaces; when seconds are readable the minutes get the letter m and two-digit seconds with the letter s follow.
7h59
